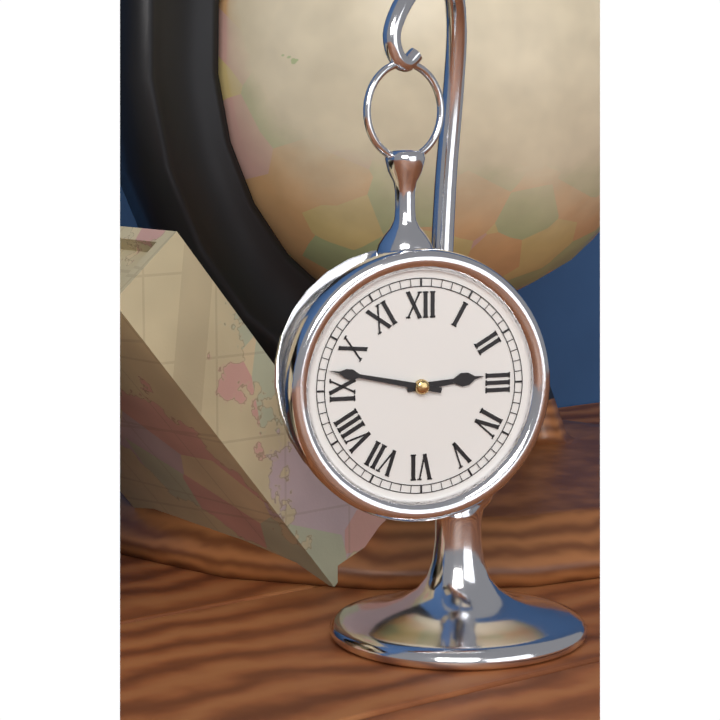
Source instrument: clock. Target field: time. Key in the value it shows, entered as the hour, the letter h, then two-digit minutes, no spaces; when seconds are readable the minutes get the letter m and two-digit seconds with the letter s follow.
2h47
